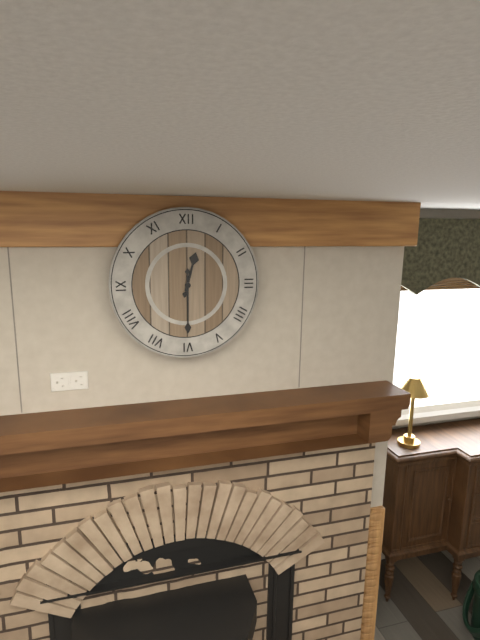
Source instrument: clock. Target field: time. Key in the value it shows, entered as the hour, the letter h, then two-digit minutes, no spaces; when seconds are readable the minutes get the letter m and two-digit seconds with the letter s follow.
12h30
